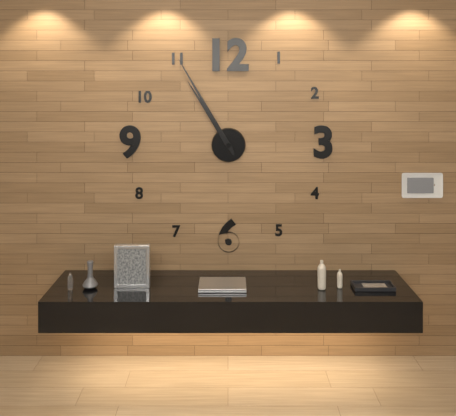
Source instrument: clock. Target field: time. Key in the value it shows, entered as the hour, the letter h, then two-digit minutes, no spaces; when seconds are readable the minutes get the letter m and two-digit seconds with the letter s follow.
10h55
